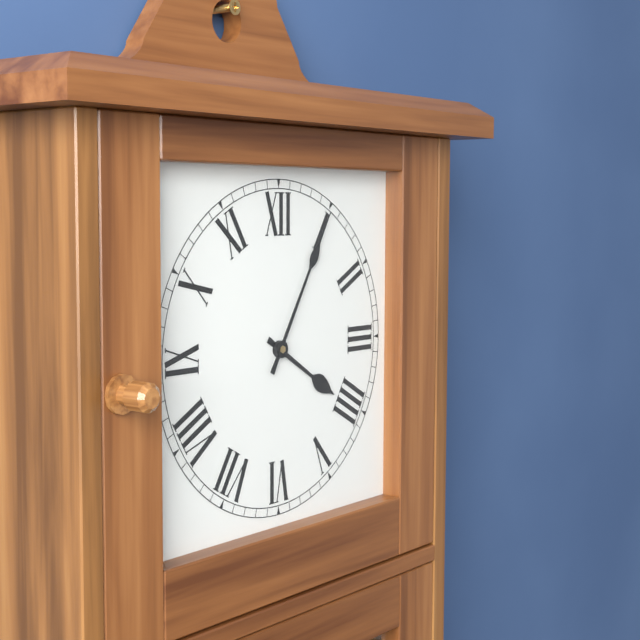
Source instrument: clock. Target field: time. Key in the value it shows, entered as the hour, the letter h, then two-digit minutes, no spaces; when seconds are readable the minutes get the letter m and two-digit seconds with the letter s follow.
4h05
